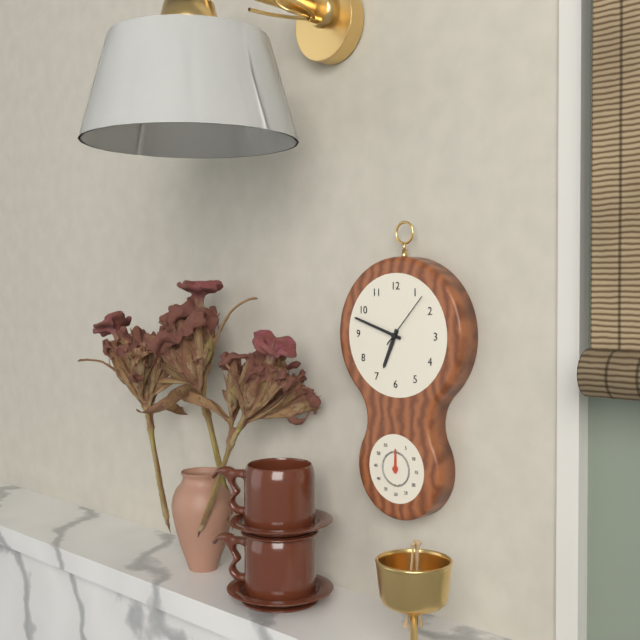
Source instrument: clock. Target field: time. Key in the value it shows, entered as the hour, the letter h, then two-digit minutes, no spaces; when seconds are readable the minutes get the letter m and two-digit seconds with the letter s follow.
6h48m07s
